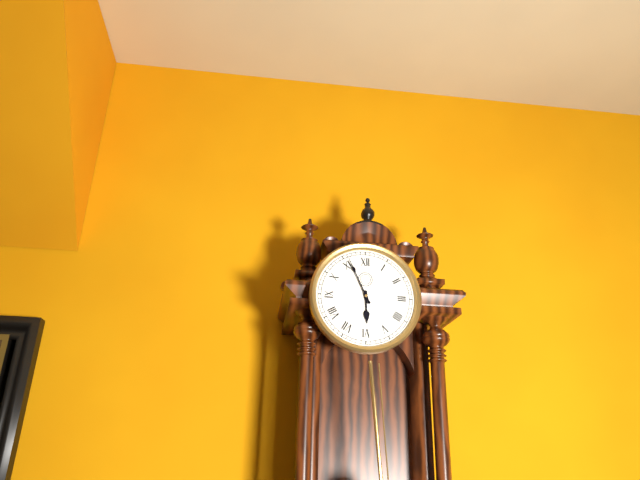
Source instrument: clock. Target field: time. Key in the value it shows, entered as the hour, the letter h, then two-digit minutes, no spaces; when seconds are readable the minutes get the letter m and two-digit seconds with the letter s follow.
5h56
